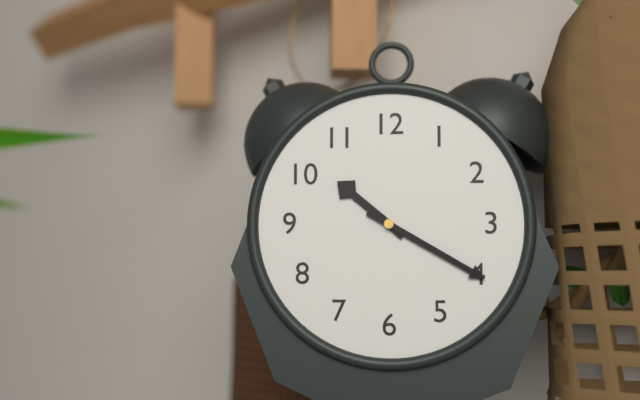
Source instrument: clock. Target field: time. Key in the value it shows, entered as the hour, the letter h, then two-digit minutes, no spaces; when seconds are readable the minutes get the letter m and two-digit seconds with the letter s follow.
10h20
